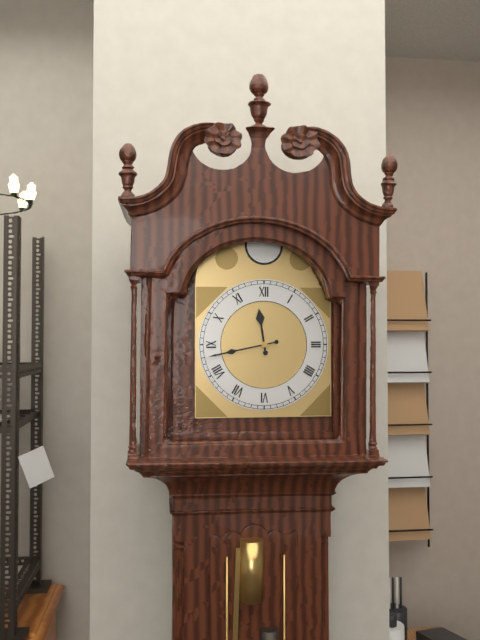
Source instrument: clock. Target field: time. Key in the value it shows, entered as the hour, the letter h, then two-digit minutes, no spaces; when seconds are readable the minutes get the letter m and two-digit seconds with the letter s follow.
11h43
